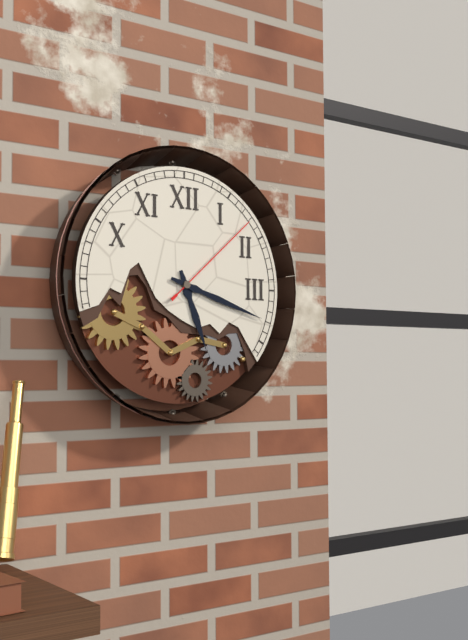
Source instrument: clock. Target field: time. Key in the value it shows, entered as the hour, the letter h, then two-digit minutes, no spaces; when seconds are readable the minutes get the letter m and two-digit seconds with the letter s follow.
5h18m08s
